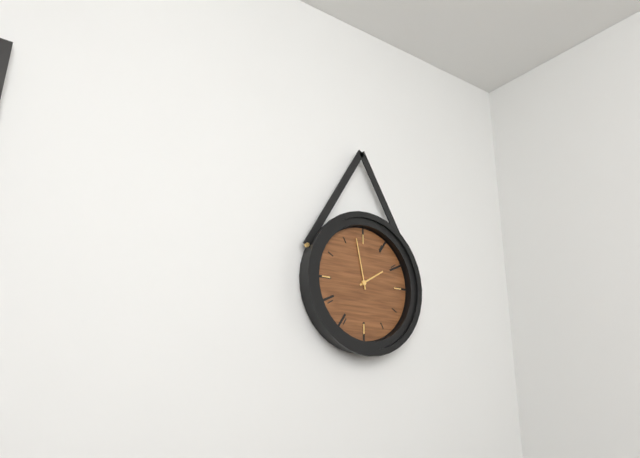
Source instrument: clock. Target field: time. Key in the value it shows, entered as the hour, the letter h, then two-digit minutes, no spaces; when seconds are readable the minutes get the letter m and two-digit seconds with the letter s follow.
1h58
